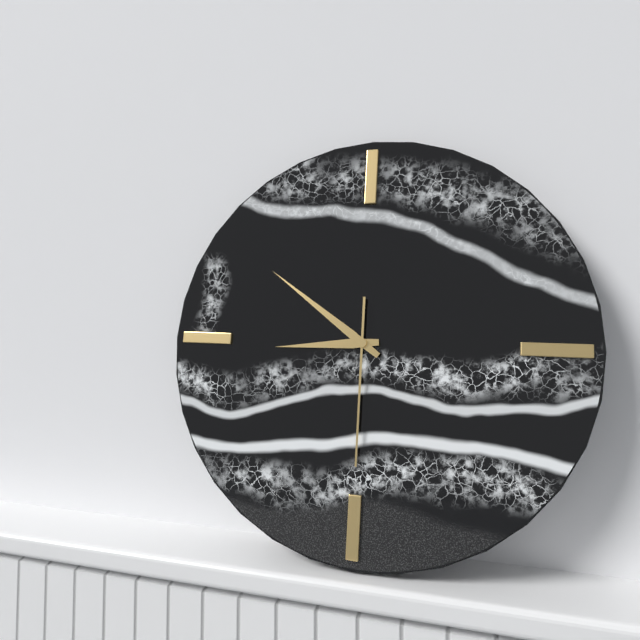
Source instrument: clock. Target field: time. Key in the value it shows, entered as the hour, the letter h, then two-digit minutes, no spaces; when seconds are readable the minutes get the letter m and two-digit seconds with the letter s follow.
8h51m30s
